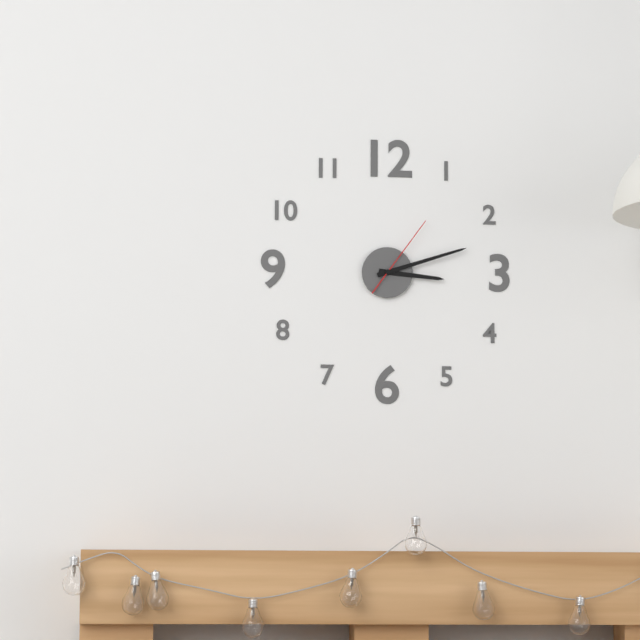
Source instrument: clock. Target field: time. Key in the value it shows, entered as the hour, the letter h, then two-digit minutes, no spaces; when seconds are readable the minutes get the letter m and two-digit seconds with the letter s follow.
3h12m06s
